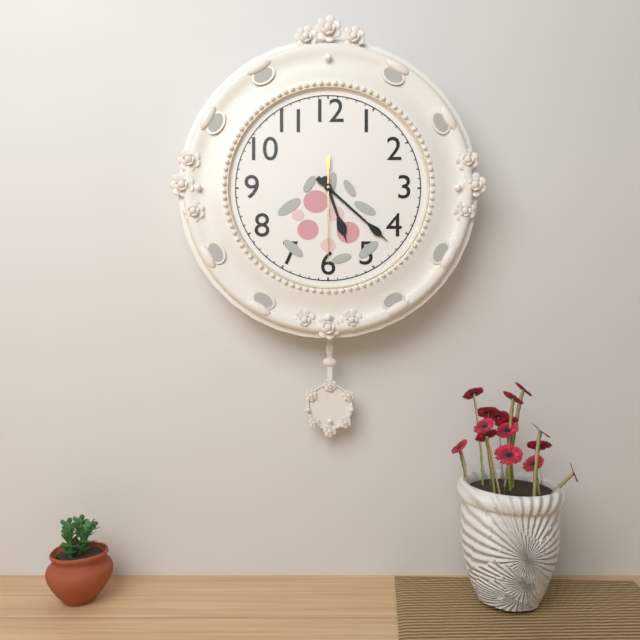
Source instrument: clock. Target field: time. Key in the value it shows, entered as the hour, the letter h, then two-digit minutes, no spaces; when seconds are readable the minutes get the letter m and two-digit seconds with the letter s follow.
5h22m30s
